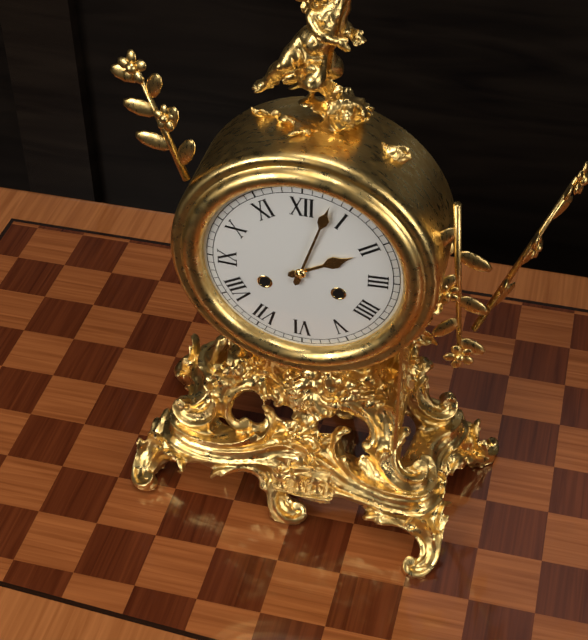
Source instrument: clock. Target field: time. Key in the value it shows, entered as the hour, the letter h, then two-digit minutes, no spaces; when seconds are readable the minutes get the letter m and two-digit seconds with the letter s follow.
2h03
